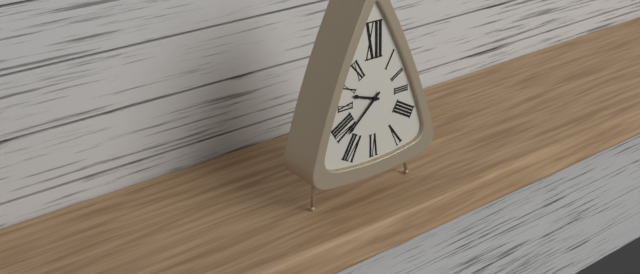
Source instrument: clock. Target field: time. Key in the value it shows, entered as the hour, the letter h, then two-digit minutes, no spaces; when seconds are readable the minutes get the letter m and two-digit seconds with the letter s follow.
9h38
